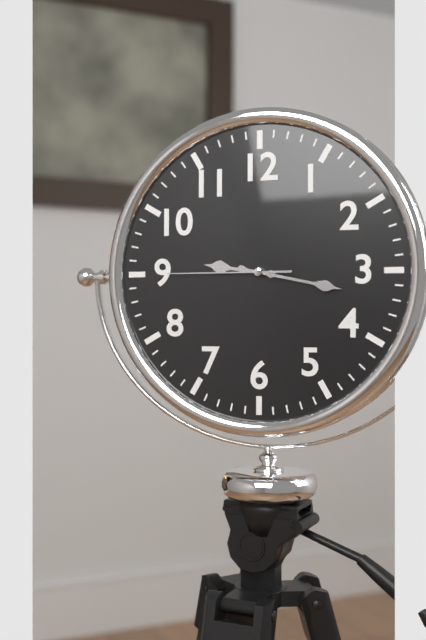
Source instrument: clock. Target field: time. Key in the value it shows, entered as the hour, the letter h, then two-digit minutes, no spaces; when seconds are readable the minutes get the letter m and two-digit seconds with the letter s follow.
9h17m45s
